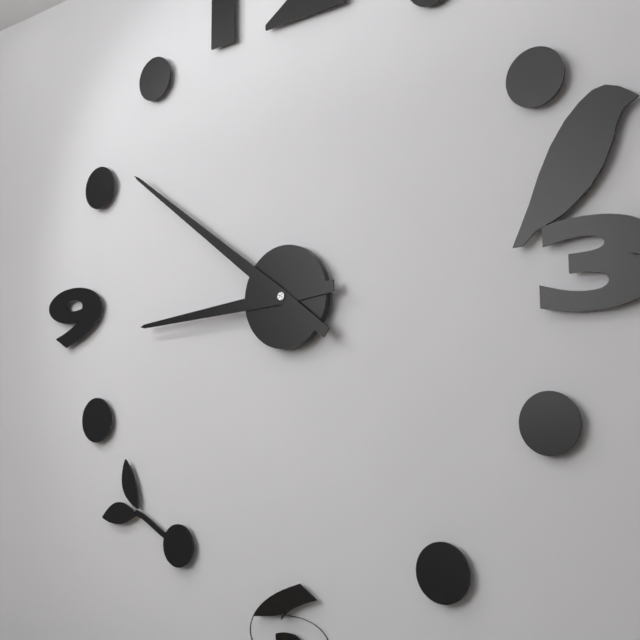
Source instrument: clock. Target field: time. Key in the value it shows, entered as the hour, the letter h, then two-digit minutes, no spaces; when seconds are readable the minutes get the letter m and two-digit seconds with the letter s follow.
8h51
